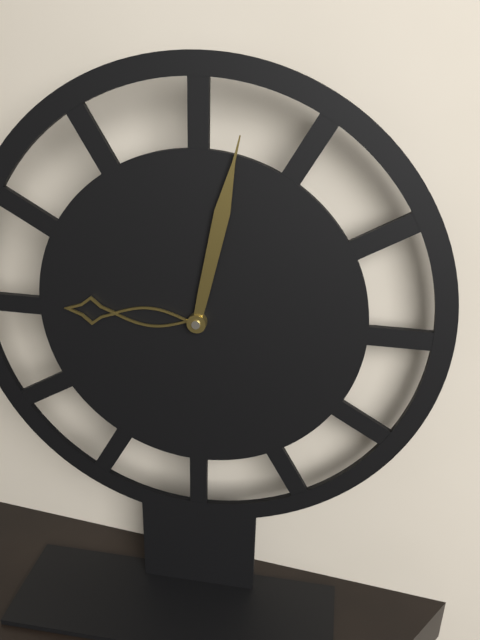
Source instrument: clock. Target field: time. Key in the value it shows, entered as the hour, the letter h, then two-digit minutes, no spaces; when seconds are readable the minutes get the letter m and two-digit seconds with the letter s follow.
9h02
